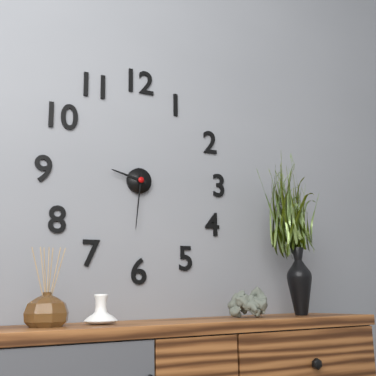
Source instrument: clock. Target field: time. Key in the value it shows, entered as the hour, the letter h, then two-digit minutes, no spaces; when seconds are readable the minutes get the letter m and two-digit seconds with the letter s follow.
9h31
